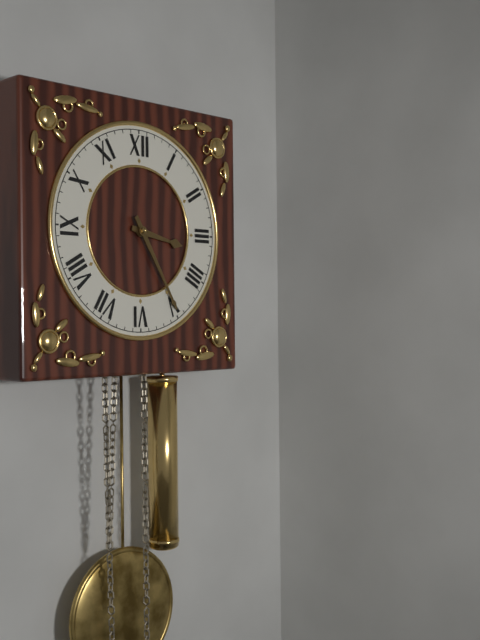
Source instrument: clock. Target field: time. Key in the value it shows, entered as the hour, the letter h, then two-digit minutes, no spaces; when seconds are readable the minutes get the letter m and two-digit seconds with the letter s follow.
3h25
